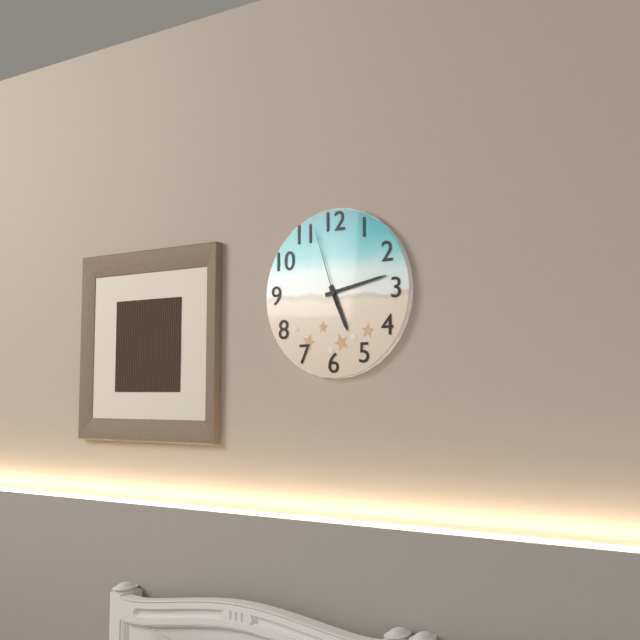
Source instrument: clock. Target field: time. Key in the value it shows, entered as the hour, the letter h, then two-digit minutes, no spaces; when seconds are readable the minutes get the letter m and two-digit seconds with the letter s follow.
5h13m57s
